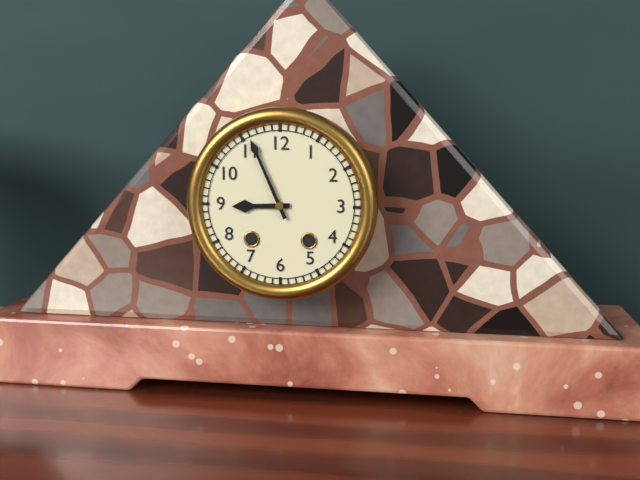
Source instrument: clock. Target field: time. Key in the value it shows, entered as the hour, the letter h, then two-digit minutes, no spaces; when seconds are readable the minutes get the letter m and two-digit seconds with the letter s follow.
8h56
